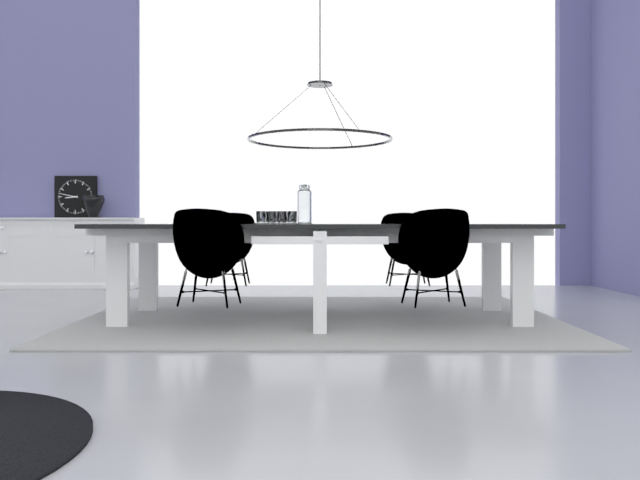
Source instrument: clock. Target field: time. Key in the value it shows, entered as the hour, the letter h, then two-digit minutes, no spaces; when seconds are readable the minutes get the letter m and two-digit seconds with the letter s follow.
8h47
